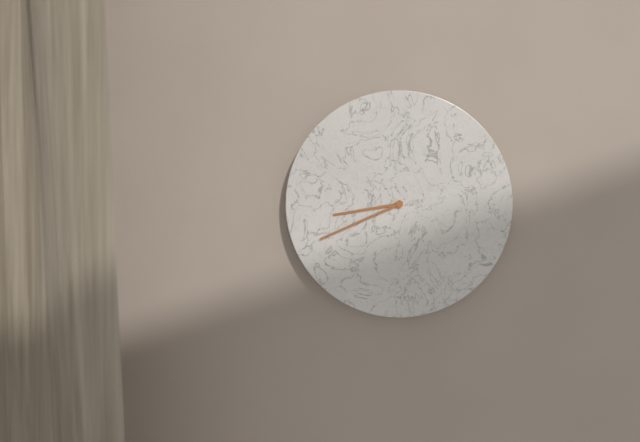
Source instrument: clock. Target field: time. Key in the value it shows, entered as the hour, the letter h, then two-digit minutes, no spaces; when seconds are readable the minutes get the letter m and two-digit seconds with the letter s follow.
8h41
